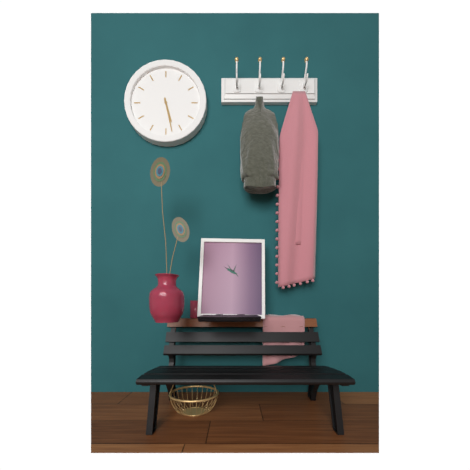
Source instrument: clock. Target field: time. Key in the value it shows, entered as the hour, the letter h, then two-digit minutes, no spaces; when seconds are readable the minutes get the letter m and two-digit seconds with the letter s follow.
5h28
